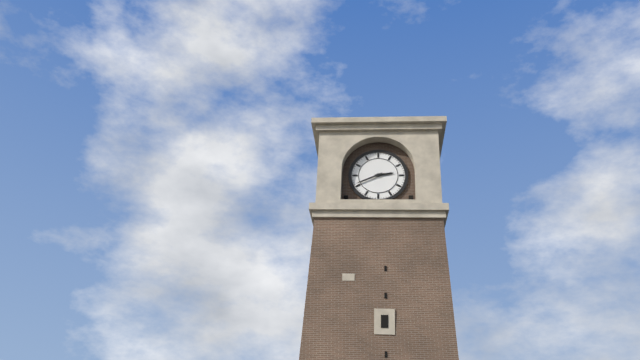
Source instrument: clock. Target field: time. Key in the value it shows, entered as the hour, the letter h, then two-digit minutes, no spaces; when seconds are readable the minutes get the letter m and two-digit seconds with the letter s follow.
2h41
